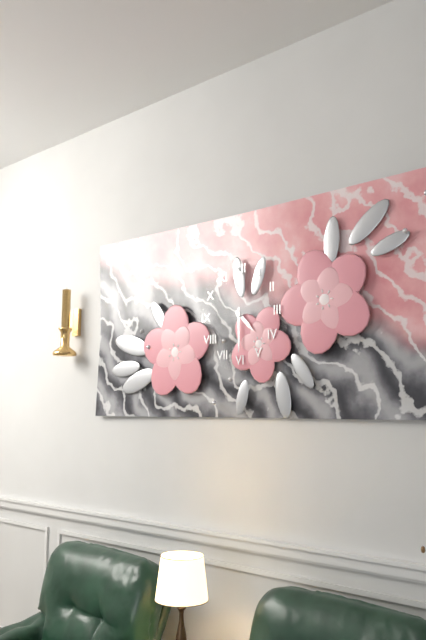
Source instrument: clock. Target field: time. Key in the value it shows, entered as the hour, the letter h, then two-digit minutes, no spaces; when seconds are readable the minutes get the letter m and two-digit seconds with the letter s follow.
4h30
